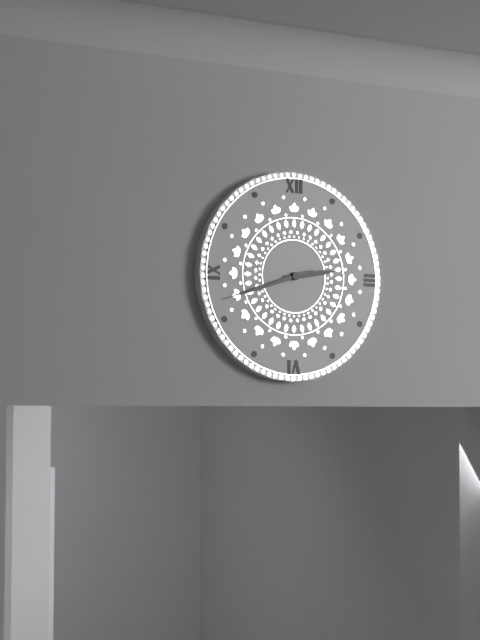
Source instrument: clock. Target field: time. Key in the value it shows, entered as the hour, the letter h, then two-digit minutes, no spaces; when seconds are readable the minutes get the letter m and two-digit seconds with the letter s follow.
2h42m42s
